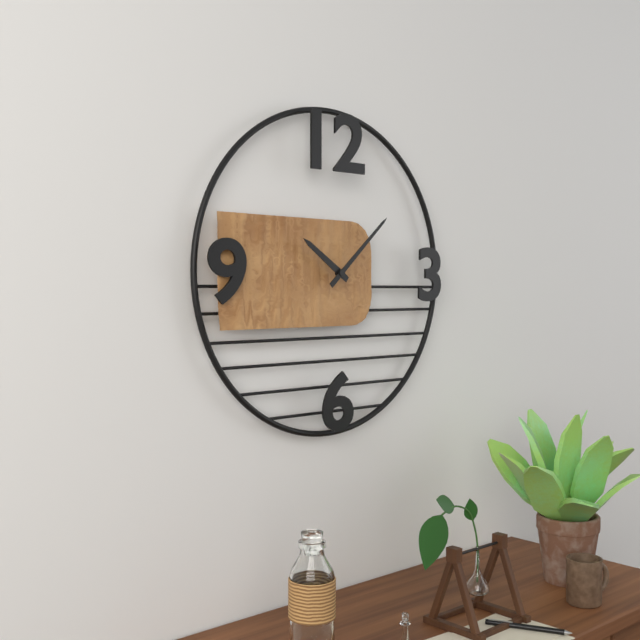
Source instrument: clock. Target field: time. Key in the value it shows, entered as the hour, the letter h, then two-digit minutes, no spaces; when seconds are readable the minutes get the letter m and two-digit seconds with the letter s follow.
10h08
